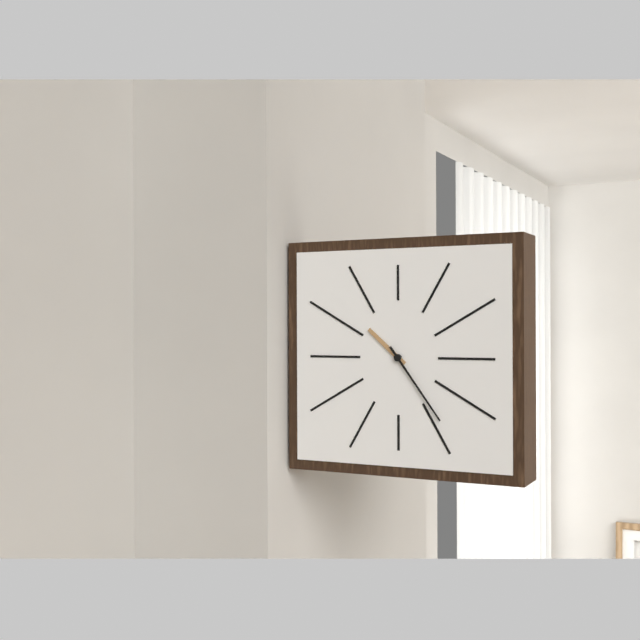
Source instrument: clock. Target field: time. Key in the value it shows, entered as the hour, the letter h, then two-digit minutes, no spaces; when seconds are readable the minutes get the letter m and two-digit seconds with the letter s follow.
10h24
